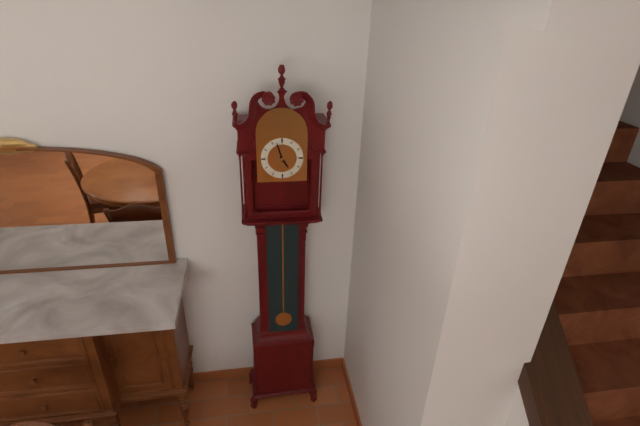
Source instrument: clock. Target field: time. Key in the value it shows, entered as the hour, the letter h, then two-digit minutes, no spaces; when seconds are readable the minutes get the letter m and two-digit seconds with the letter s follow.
4h57
